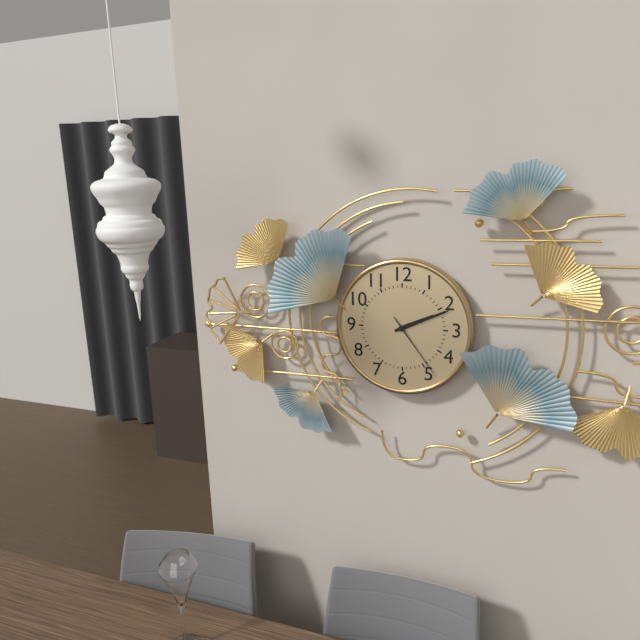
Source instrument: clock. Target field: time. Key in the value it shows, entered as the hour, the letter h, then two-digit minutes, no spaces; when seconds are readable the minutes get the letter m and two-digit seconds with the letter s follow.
2h11m24s
